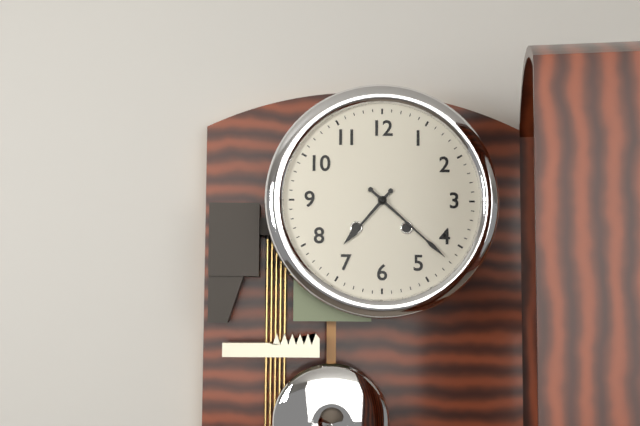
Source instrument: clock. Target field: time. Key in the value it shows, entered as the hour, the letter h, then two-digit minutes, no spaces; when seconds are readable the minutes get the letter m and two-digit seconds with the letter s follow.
7h22
